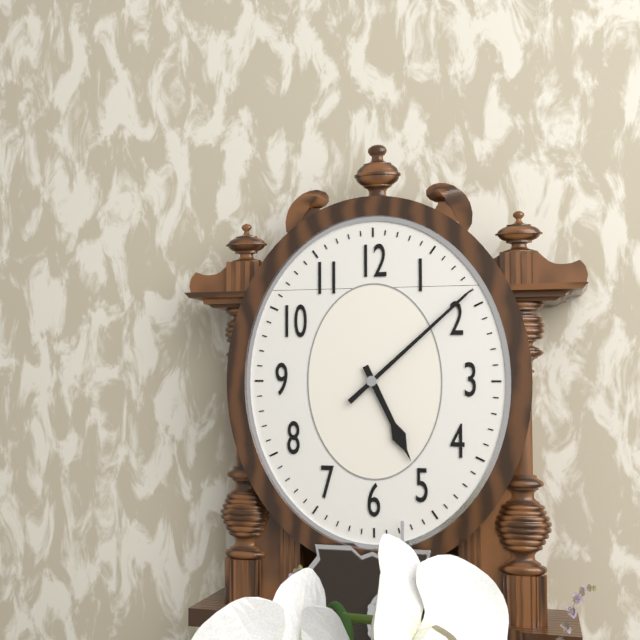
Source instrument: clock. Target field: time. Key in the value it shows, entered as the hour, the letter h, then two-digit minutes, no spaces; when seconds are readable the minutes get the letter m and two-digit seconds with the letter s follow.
5h08
